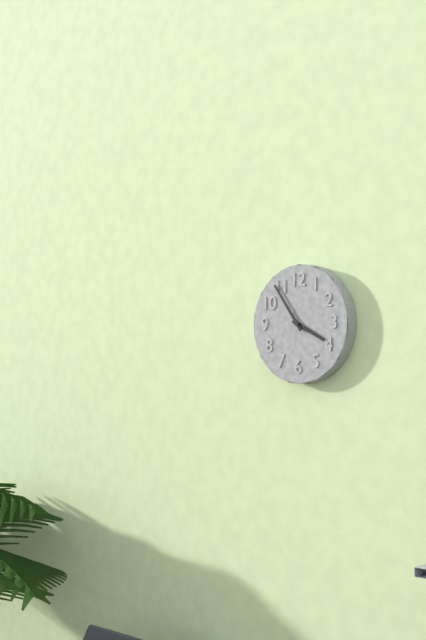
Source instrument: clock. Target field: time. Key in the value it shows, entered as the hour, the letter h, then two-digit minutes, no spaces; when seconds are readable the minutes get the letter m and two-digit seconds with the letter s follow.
3h54
